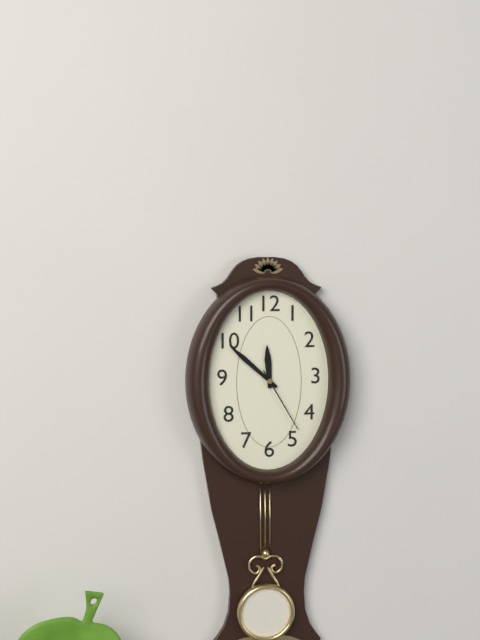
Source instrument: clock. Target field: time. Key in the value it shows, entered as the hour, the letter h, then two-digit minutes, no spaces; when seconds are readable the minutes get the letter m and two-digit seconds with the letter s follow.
11h52m25s
